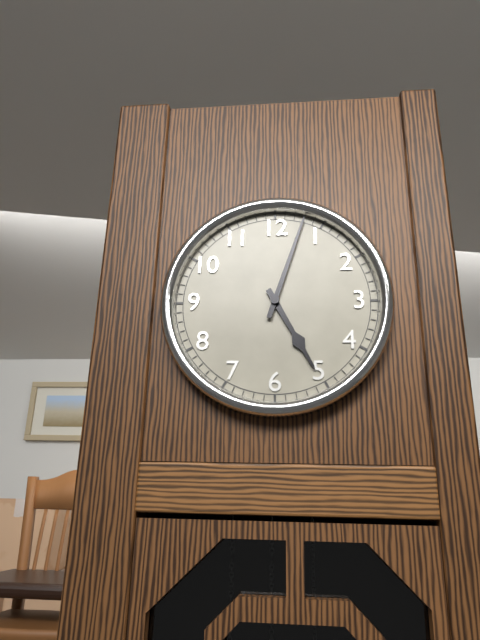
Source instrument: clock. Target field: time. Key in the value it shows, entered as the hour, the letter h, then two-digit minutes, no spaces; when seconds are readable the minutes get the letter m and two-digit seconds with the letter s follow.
5h03
